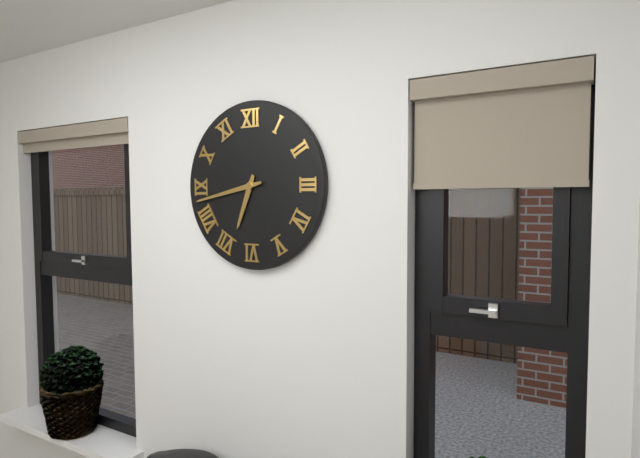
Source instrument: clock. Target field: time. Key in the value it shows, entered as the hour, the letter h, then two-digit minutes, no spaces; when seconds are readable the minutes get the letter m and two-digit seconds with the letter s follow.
6h43
